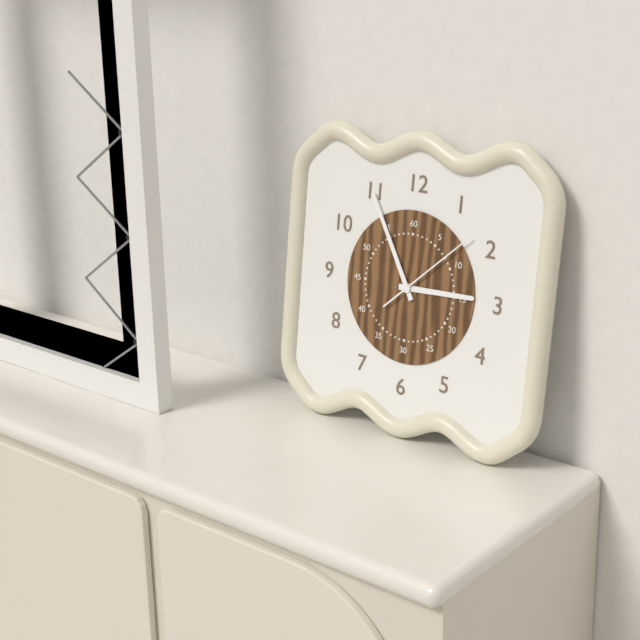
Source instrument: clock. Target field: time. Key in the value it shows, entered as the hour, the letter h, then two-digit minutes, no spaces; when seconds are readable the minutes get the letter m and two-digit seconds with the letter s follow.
2h55m08s
